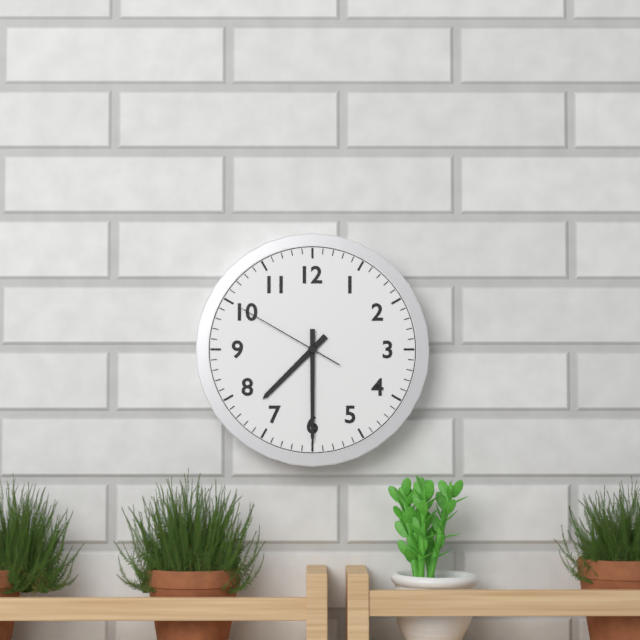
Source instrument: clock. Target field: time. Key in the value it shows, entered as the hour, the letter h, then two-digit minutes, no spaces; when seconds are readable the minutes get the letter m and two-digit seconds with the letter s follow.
7h30m50s
